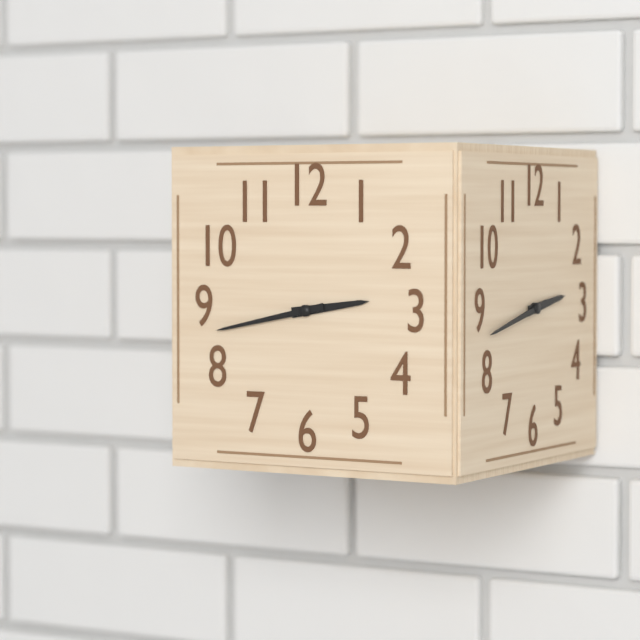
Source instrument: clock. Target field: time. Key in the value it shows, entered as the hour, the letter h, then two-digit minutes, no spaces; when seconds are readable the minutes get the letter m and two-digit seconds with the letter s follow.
2h43
